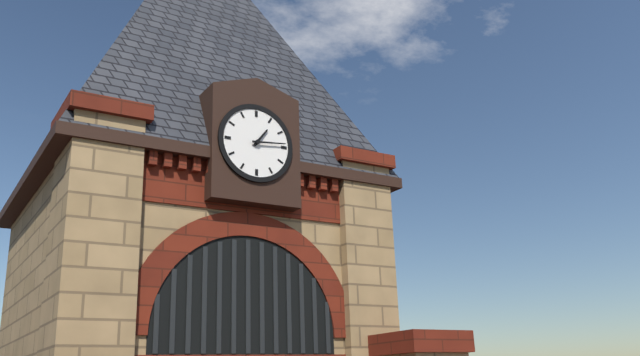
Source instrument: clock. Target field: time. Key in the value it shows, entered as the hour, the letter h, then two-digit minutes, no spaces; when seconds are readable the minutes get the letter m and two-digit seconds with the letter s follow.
1h14
